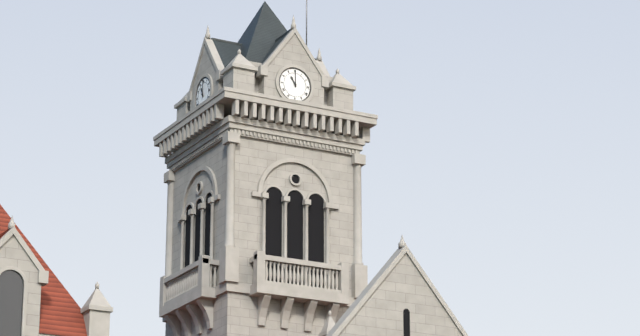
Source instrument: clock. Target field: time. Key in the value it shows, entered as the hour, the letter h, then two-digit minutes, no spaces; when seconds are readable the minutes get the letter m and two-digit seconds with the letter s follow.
11h00
